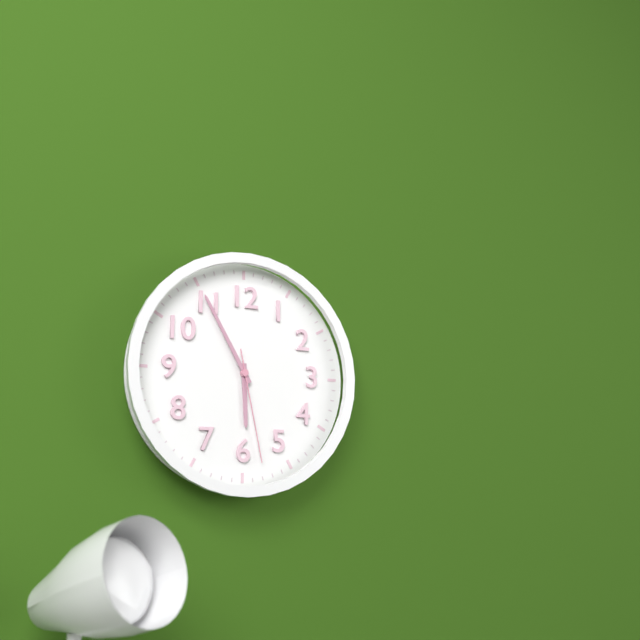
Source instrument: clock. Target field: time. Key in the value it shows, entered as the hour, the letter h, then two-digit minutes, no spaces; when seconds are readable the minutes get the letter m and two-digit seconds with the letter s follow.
5h55m28s
